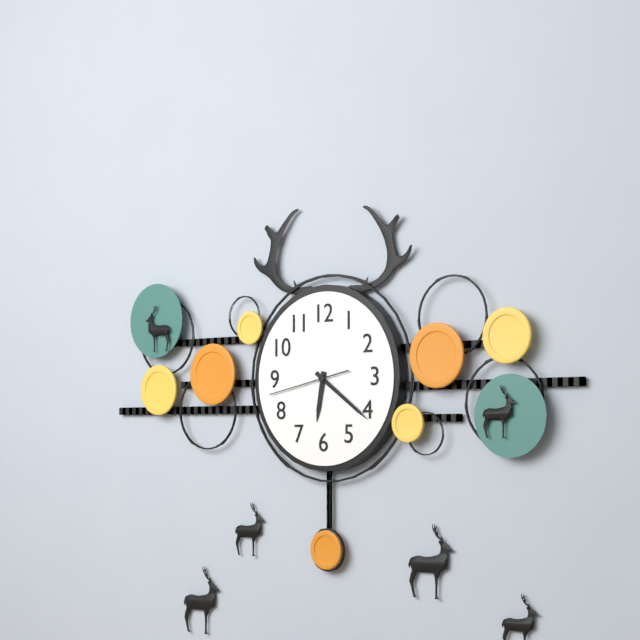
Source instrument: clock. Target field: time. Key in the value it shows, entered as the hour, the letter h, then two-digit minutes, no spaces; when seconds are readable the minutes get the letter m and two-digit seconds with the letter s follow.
6h21m43s
